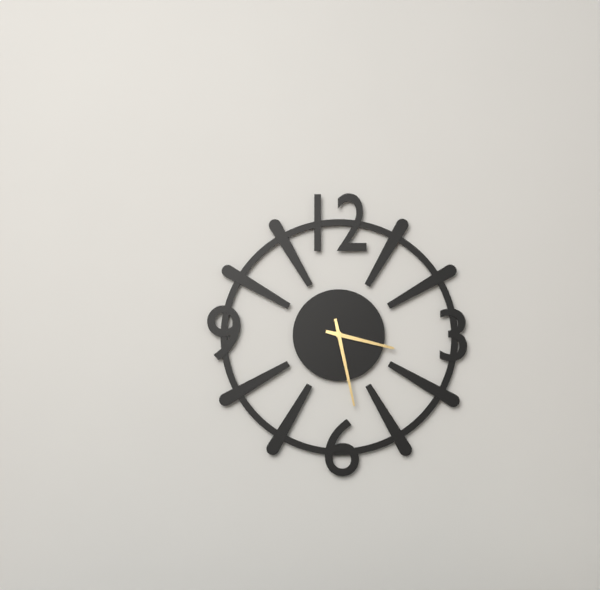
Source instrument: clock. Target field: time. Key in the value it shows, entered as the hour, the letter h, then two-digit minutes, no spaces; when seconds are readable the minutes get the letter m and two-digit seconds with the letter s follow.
3h28
